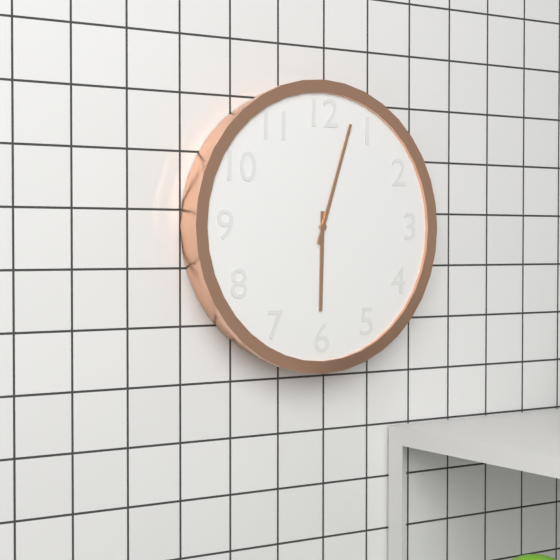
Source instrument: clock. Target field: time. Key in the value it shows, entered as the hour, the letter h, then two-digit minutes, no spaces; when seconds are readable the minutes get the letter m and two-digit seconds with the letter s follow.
6h03
